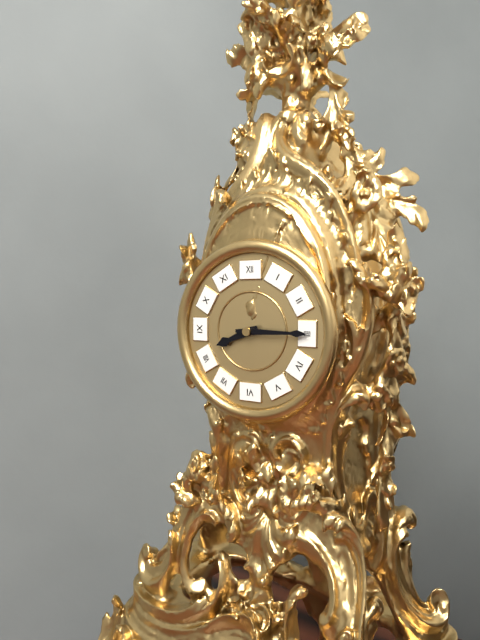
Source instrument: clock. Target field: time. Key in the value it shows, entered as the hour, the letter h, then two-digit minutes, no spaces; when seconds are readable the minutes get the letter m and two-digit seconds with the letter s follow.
8h15
